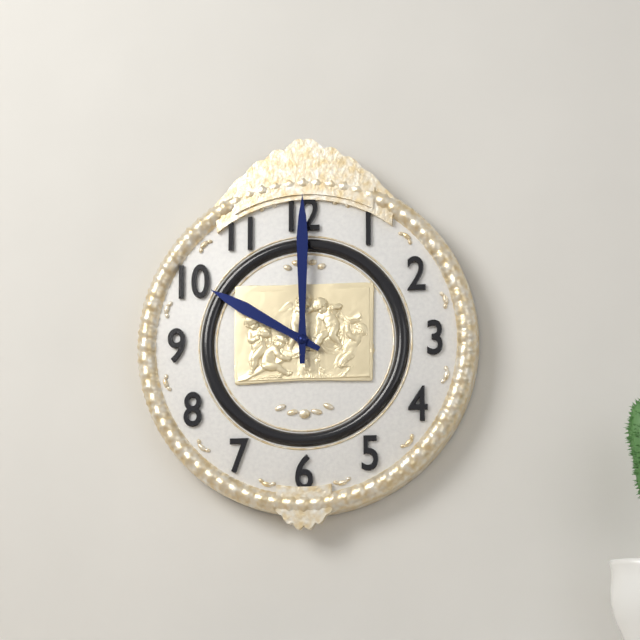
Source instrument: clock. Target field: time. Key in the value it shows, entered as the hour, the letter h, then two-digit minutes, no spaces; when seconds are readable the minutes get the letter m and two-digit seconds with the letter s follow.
10h00
